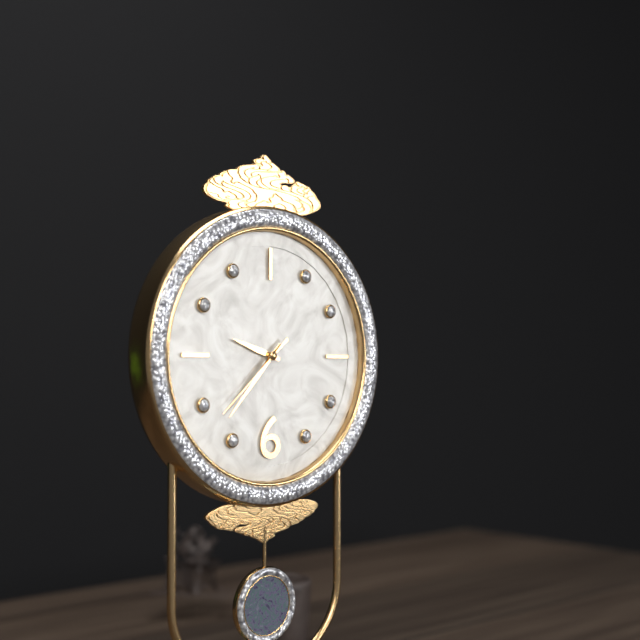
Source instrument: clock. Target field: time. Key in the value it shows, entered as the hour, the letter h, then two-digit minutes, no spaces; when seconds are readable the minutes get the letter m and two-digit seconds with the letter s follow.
9h37m38s
